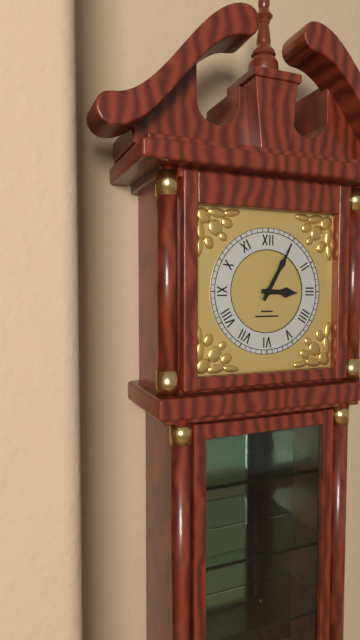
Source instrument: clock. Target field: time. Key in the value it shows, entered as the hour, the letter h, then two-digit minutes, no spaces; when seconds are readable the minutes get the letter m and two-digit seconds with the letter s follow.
3h05
